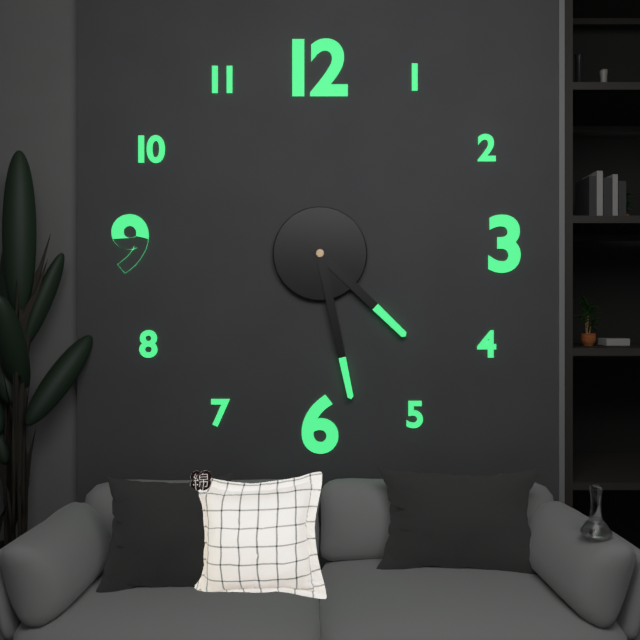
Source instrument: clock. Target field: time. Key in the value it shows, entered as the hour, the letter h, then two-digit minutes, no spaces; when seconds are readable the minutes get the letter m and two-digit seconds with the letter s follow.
4h28
